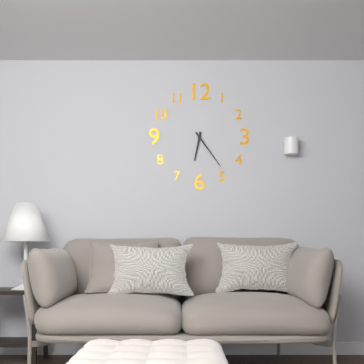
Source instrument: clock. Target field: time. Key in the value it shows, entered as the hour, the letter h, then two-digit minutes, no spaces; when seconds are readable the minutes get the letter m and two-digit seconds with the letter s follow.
6h24
